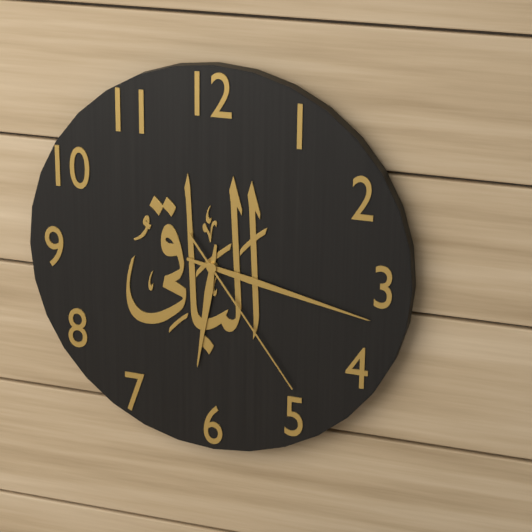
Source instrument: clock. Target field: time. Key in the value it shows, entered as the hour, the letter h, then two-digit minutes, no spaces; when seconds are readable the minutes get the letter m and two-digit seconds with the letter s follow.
6h17m24s
